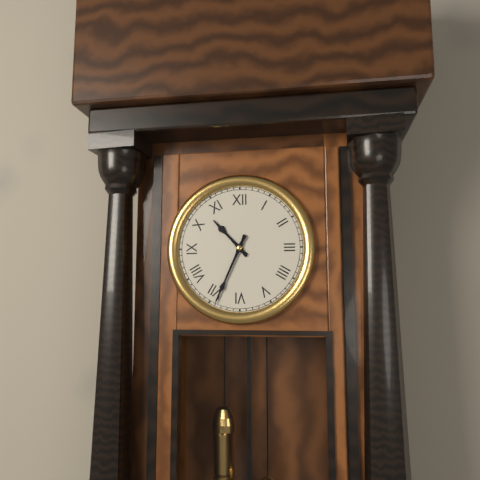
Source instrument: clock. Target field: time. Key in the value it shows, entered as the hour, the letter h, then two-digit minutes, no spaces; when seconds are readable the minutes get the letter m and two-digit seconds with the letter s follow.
10h34
